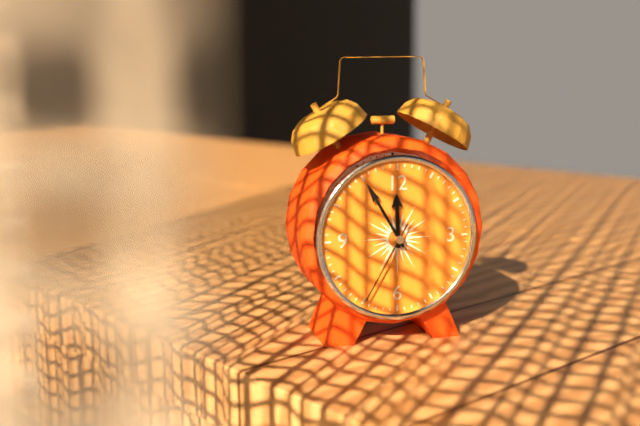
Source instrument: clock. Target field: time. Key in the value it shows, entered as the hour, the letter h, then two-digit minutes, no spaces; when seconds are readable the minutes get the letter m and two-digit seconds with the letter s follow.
11h55m35s
